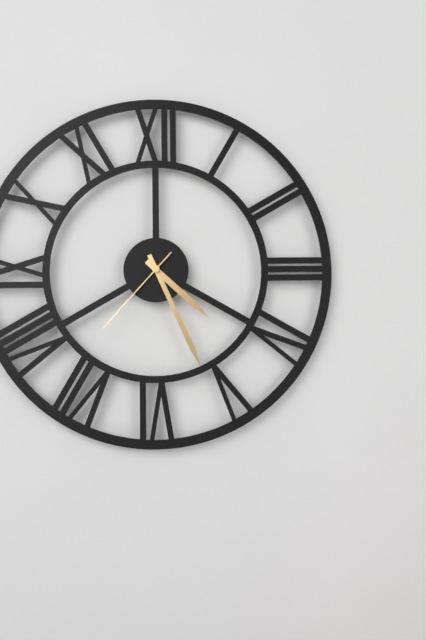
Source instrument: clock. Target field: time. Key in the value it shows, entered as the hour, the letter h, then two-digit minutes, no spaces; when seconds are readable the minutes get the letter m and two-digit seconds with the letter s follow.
4h26m37s
